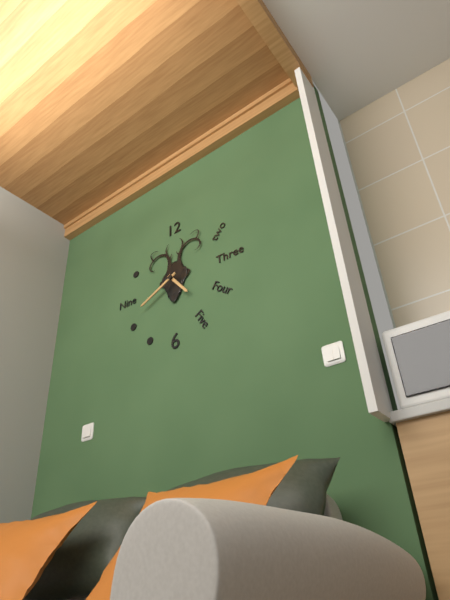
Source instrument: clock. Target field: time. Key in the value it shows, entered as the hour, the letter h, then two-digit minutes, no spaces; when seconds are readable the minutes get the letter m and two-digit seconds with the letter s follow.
4h41
